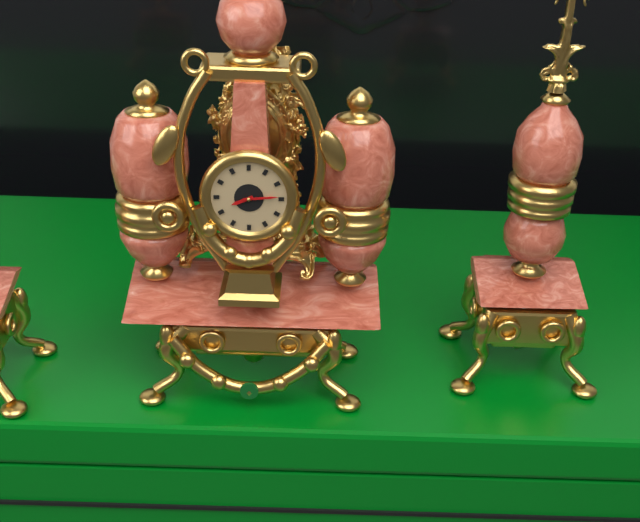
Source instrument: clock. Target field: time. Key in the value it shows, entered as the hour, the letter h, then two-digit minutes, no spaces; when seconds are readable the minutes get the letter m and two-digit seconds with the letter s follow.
8h14
